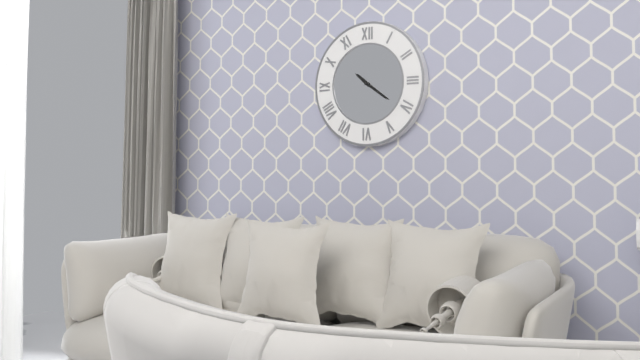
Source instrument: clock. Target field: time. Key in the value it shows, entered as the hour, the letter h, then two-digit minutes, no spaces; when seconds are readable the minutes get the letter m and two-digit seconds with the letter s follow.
10h21
